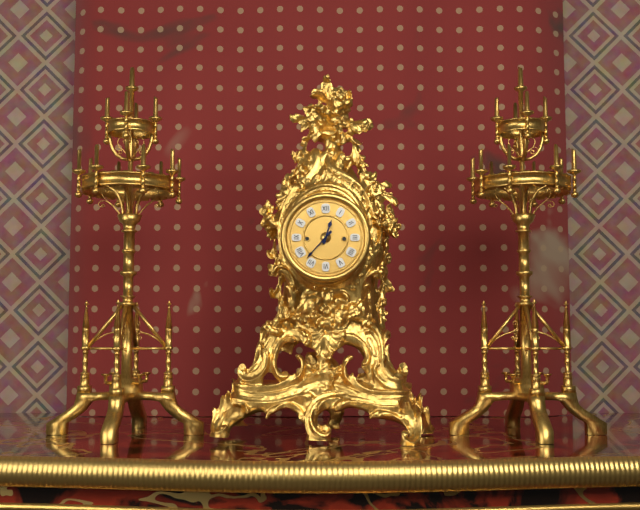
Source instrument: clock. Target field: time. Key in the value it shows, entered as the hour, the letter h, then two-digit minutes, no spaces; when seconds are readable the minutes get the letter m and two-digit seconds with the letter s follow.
12h37
